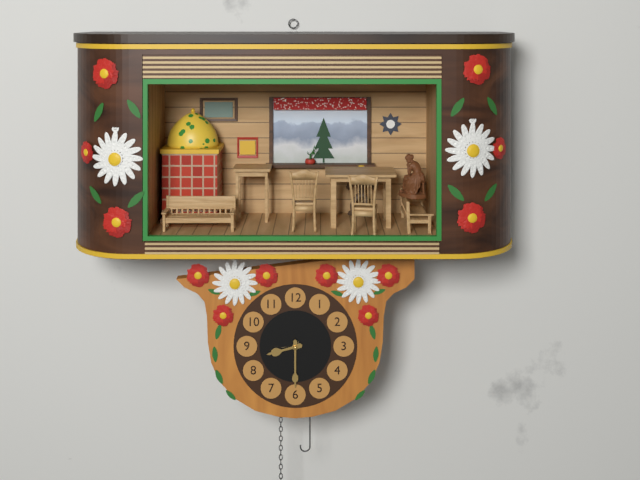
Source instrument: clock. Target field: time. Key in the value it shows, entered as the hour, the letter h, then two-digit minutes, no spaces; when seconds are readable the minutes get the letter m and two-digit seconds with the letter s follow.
8h30
